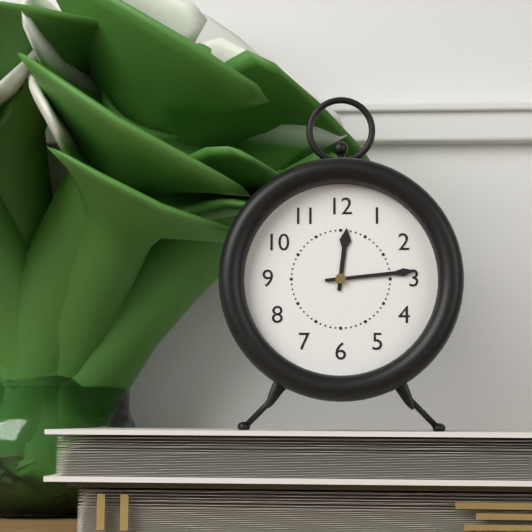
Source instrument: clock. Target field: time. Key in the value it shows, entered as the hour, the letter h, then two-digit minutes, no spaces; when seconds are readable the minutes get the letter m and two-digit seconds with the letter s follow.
12h14
